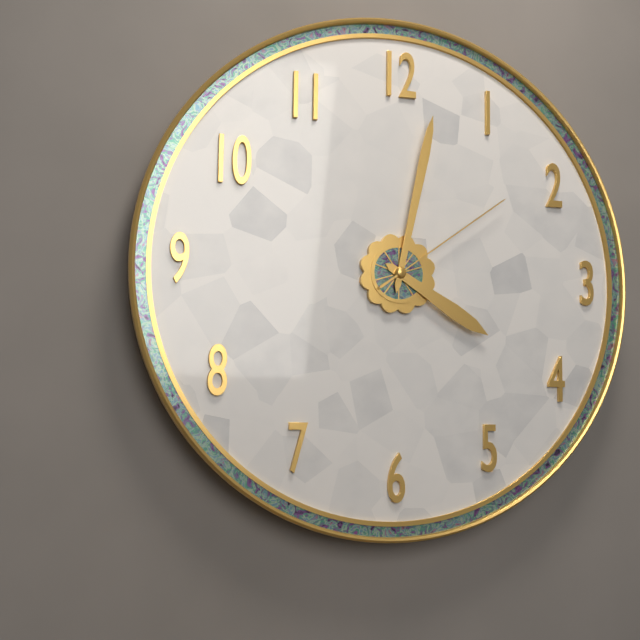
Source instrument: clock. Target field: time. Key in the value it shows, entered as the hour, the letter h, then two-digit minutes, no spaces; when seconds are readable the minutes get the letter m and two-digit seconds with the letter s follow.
4h02m09s
